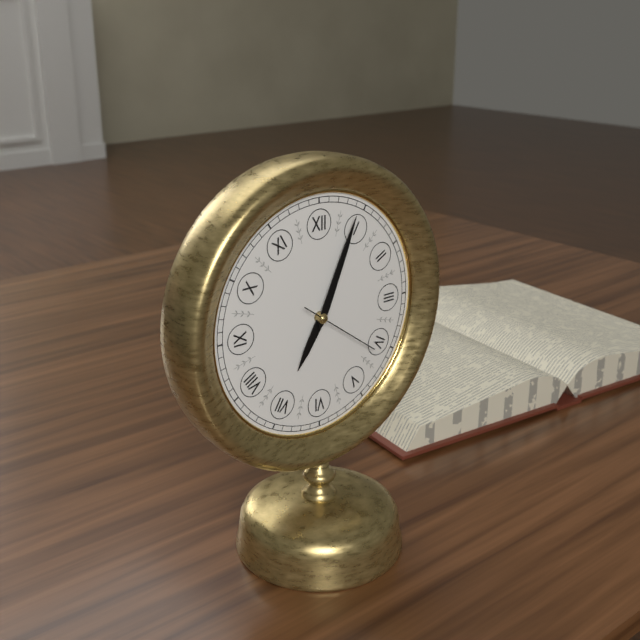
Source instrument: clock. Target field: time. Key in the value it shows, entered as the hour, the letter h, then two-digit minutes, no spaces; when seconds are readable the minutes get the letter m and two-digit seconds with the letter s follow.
7h04m21s
